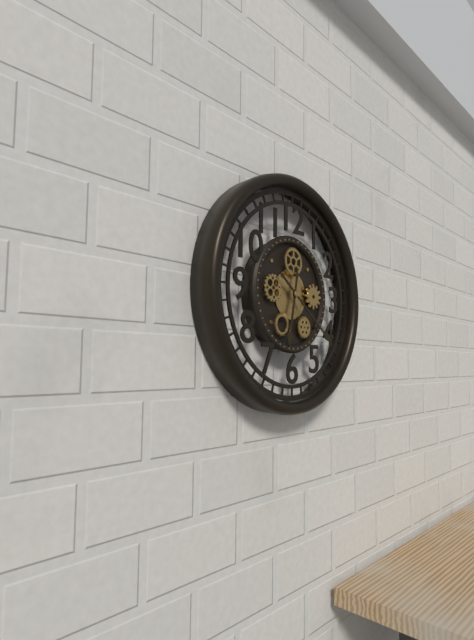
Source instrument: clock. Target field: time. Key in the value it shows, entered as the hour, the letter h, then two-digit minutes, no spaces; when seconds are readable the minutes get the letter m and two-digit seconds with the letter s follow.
6h21
